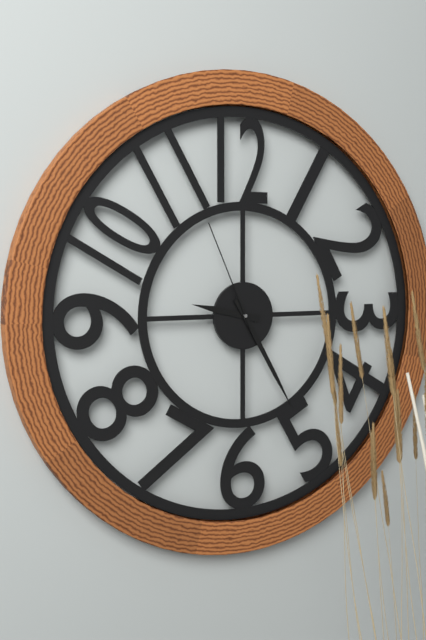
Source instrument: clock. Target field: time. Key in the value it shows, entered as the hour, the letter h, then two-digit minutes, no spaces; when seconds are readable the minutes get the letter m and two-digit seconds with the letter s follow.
9h25m56s
